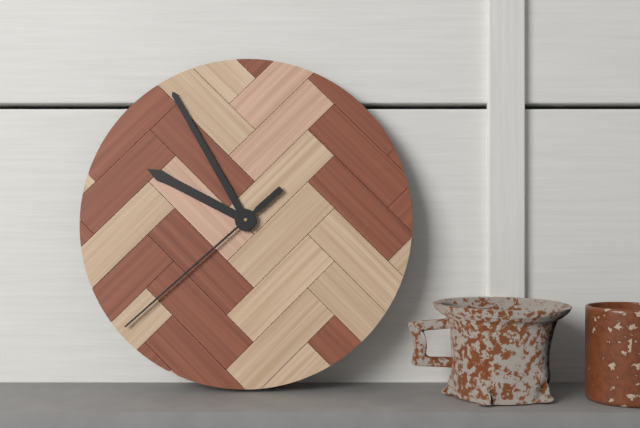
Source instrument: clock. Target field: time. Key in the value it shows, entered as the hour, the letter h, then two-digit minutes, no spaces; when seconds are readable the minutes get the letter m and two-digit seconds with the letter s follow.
9h55m38s
